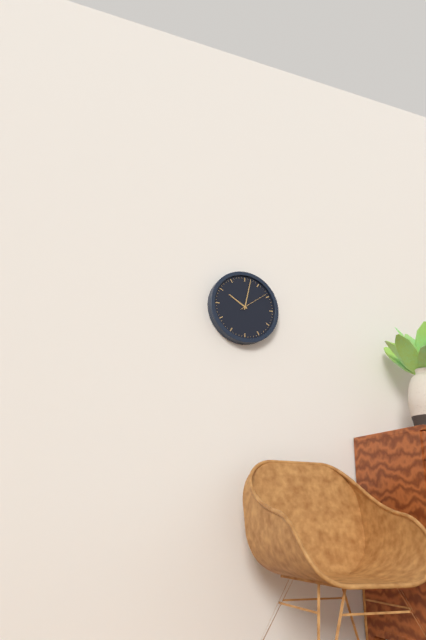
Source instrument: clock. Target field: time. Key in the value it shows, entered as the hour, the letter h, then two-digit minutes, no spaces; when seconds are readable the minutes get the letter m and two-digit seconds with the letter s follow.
10h02
